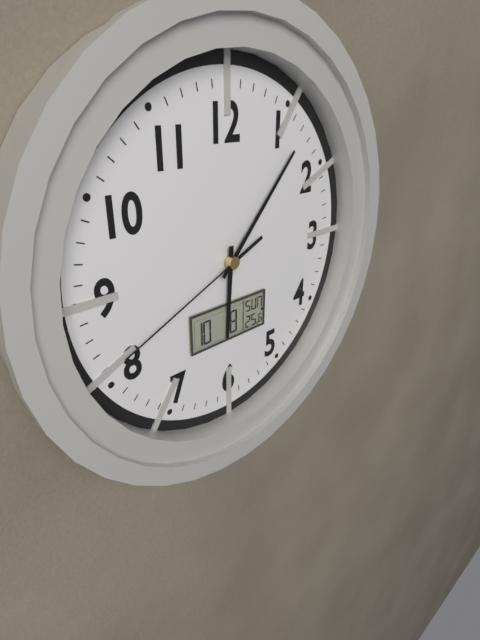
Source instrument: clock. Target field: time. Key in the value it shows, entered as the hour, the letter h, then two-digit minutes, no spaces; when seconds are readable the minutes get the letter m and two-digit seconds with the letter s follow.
6h07m41s
